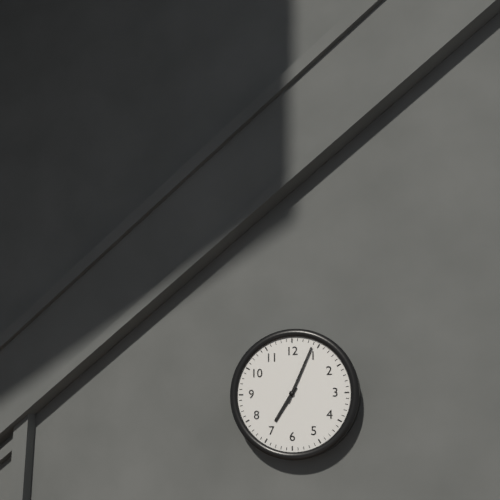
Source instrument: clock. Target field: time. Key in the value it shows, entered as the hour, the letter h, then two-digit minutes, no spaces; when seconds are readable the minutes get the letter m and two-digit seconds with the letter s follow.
7h04
